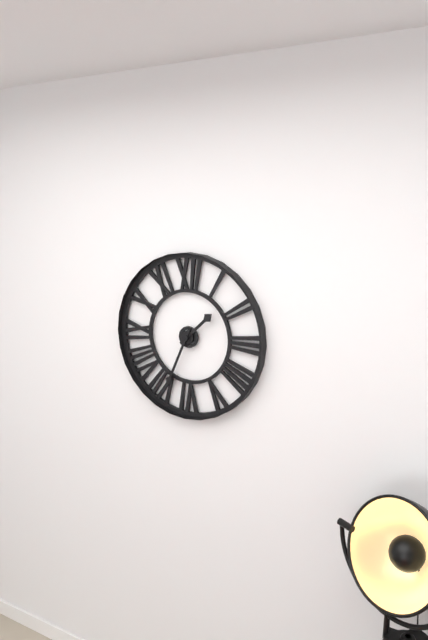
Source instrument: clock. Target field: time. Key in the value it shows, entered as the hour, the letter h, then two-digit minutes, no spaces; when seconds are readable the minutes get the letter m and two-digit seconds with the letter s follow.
1h34
